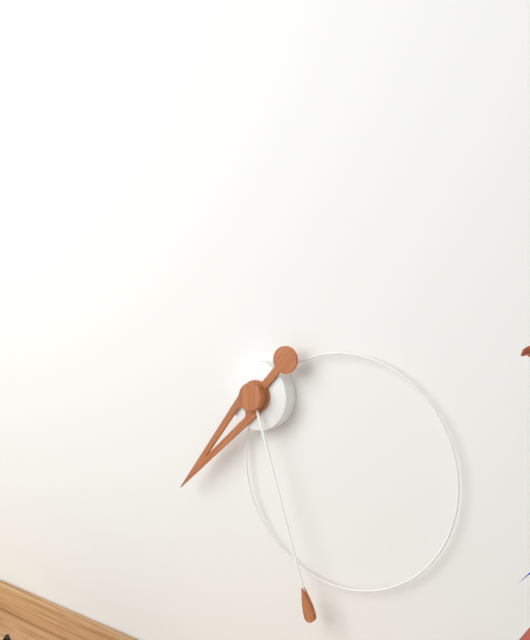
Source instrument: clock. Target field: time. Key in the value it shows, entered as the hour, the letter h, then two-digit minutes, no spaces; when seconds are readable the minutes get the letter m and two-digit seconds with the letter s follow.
7h27
